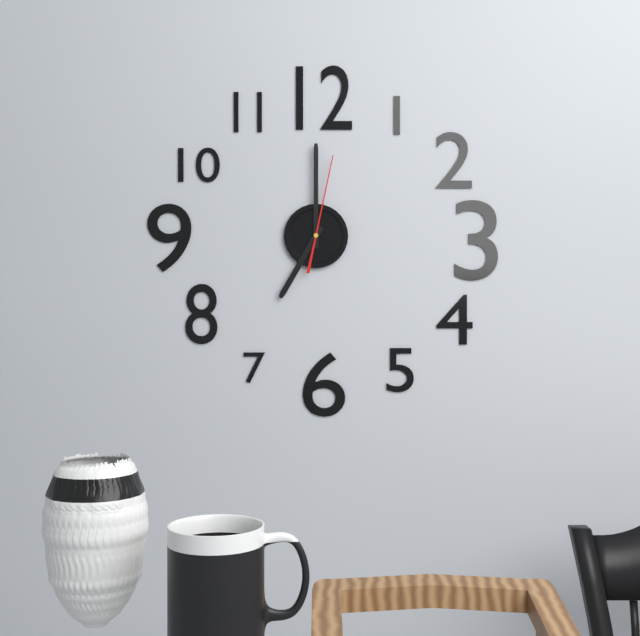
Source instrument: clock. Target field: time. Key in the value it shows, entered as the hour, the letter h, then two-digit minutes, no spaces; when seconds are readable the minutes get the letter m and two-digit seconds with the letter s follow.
7h00m02s
